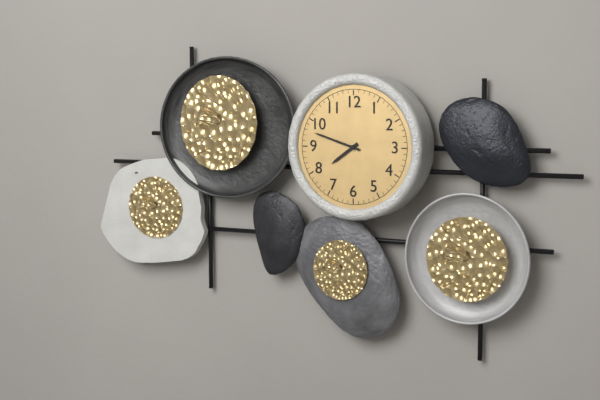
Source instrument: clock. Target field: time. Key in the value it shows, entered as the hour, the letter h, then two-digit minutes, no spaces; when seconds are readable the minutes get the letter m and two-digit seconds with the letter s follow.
7h48
